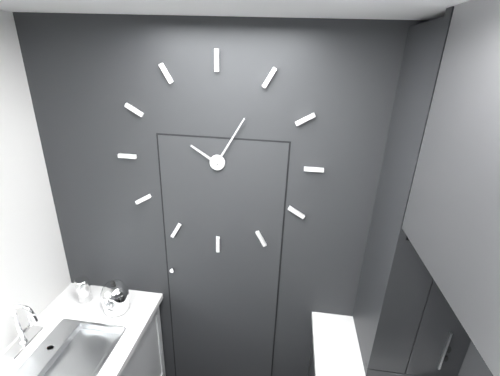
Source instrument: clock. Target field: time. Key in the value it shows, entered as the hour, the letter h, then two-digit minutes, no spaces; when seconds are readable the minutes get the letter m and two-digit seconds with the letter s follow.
10h05
